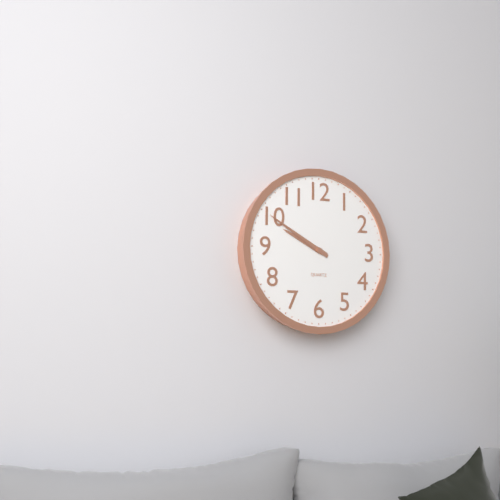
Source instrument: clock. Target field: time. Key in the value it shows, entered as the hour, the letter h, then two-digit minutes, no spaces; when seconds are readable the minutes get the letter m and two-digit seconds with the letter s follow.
9h50
